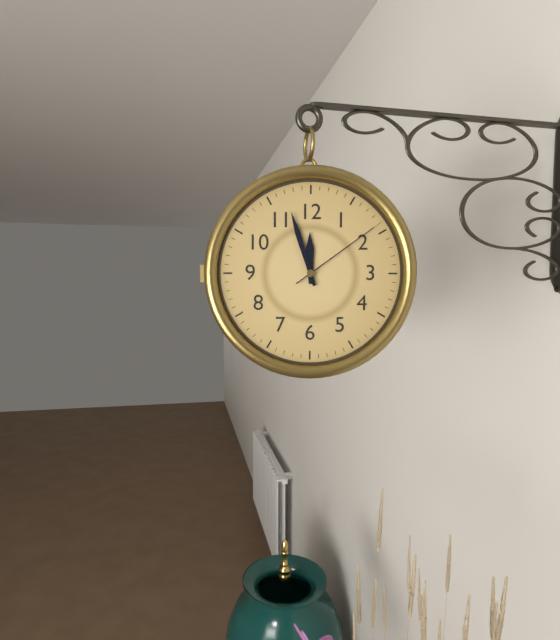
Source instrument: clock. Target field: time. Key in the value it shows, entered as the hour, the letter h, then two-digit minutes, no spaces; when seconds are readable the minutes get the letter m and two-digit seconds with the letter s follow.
11h57m09s
